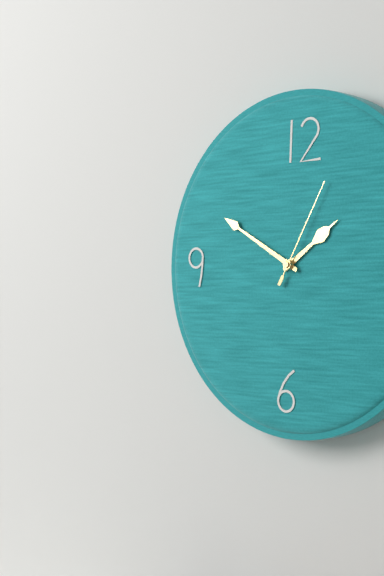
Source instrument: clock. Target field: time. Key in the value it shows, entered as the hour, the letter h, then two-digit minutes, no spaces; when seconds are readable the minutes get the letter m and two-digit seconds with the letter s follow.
1h50m05s
